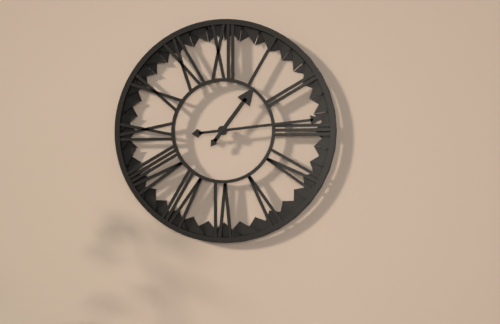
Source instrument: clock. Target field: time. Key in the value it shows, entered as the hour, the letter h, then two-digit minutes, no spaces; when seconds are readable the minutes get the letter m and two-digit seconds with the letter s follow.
1h14
